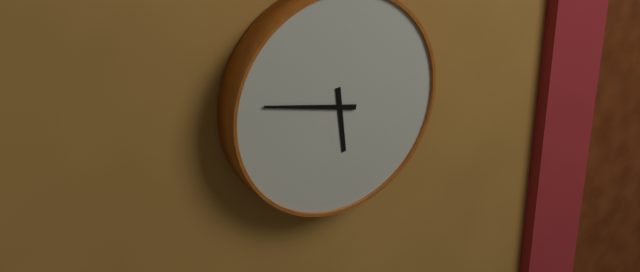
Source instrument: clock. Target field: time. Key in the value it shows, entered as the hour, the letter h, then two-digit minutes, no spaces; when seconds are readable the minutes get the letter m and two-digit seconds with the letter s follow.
5h47
